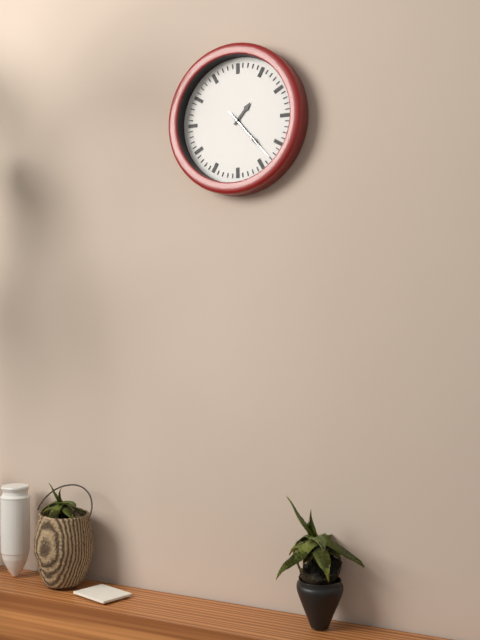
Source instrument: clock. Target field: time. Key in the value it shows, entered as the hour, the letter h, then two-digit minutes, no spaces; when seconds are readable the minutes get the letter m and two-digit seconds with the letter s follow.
1h23m23s
